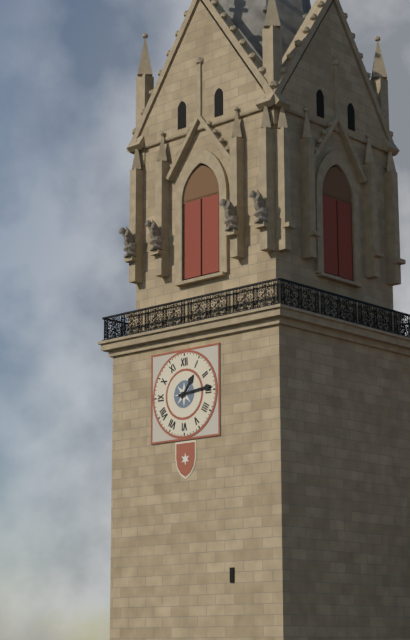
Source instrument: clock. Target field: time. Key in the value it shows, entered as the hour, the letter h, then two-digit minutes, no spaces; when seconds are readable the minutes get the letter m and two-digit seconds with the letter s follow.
1h14
